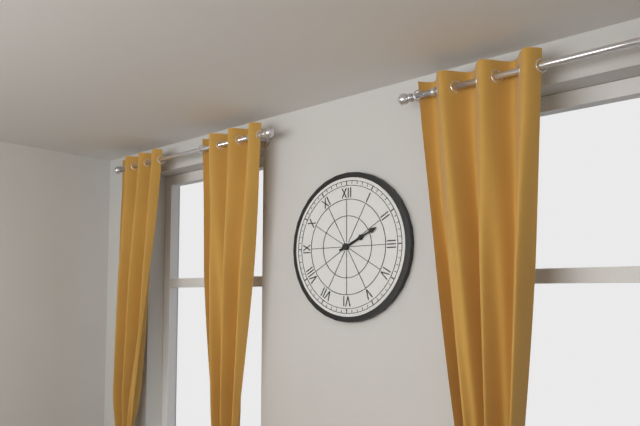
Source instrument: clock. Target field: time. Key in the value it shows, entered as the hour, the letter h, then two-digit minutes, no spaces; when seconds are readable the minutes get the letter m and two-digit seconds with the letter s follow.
2h11
